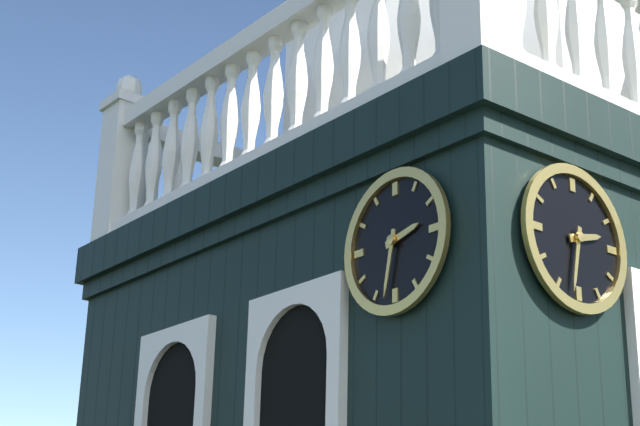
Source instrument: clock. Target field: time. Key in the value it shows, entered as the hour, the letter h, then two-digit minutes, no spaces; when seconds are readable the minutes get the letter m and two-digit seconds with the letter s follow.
2h32
